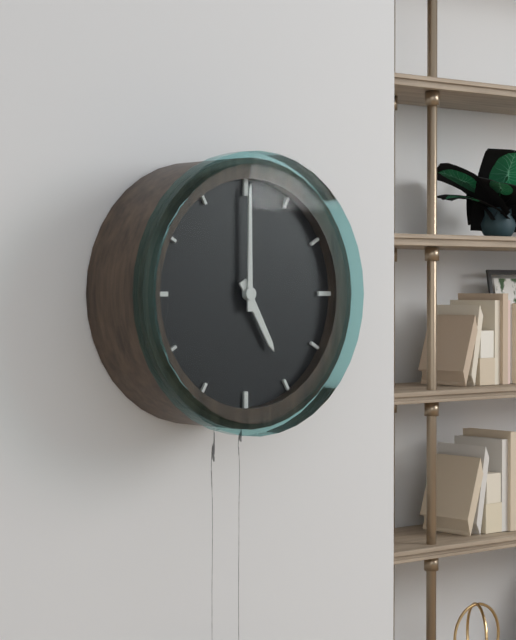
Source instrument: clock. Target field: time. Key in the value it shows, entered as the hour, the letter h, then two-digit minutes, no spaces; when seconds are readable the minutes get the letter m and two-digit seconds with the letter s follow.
5h00
